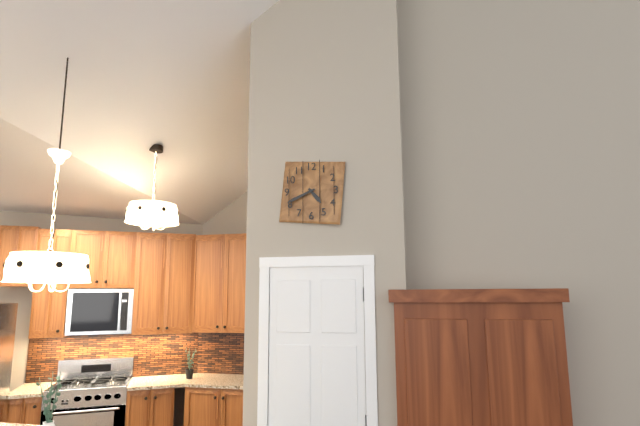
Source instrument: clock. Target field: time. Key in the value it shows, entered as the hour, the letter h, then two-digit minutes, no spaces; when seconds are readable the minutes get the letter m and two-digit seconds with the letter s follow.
4h41
